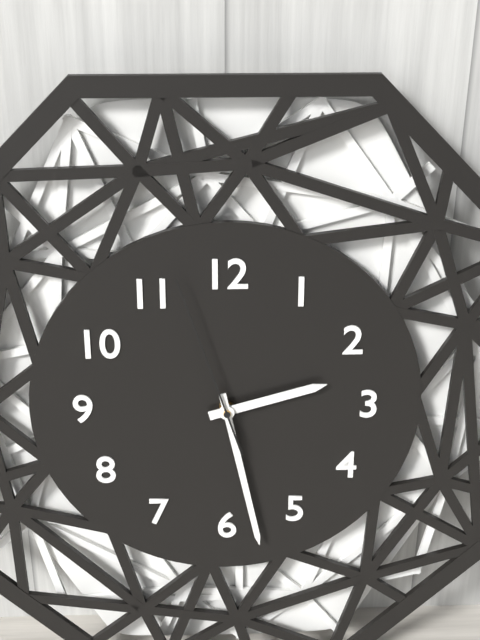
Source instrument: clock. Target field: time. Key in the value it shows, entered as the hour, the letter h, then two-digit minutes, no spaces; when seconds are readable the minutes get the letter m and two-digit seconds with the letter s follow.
2h28m57s
